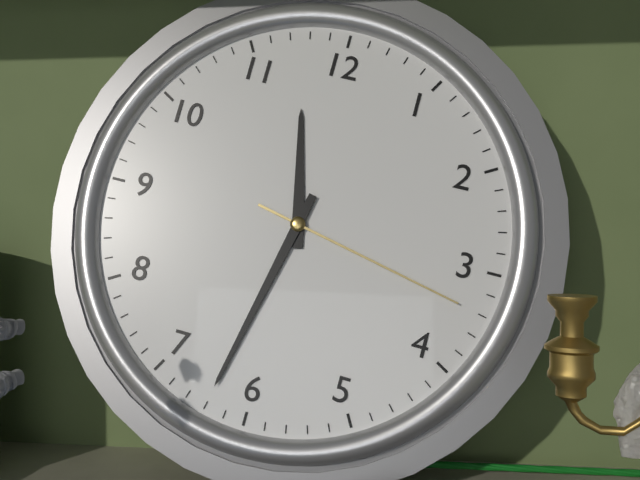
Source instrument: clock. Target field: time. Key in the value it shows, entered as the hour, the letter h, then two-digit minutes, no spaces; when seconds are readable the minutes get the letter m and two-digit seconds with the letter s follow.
11h32m17s
